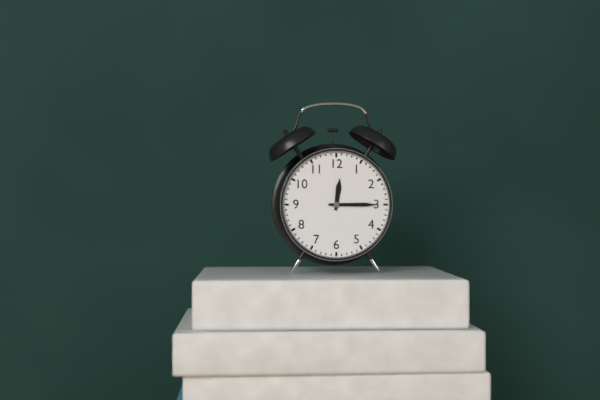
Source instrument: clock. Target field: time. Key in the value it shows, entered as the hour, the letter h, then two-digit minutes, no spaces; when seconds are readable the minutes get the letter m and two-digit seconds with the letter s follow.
12h15
